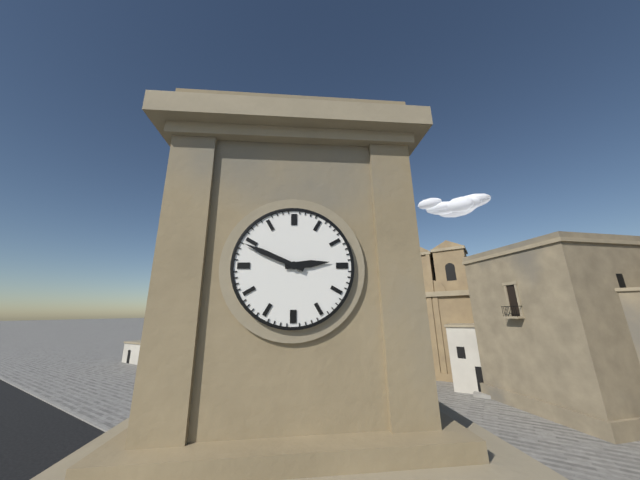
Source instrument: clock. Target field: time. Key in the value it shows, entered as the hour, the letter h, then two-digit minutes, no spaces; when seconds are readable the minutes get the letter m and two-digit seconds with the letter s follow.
2h49
